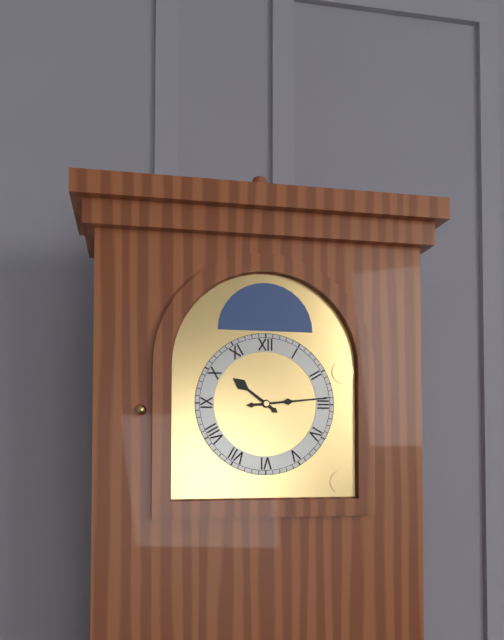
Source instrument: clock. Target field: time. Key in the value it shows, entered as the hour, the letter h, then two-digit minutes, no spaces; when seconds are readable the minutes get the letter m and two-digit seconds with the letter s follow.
10h14
